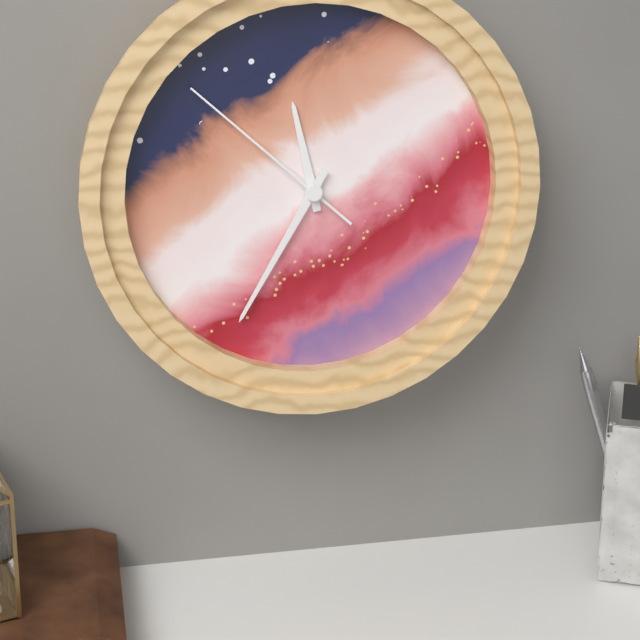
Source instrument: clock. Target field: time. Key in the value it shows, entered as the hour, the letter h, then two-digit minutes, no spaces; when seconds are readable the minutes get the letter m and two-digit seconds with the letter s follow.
11h35m52s
